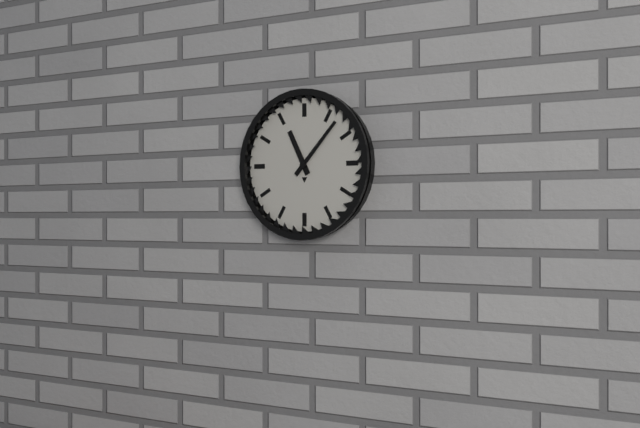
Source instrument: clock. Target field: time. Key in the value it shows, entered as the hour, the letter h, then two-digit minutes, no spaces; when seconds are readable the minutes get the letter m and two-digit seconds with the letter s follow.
11h07
